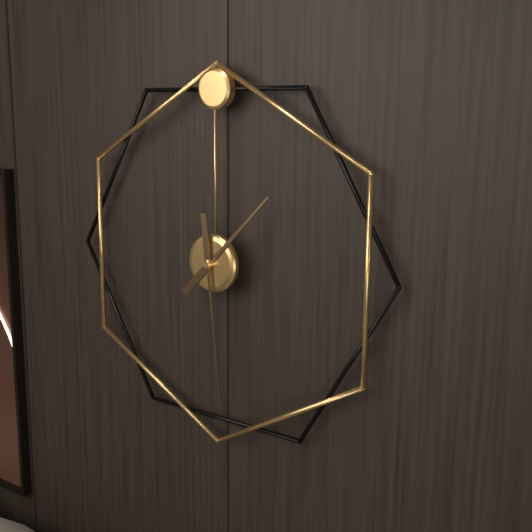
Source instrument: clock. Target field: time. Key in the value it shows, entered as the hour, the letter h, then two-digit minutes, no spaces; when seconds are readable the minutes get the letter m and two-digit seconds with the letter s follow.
1h29
